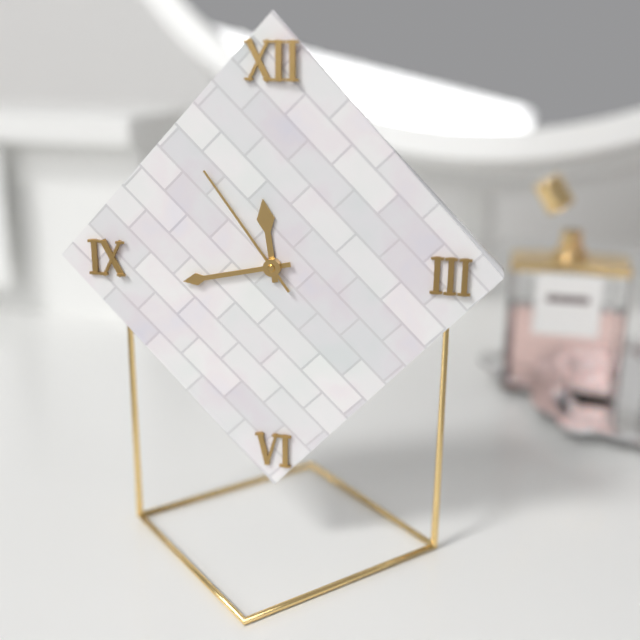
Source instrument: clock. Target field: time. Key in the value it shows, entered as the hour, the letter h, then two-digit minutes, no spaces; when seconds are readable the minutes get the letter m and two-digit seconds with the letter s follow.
11h43m54s
